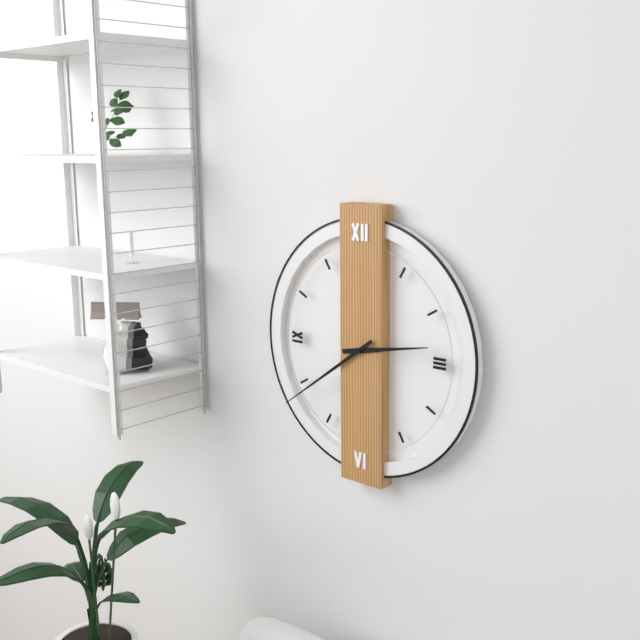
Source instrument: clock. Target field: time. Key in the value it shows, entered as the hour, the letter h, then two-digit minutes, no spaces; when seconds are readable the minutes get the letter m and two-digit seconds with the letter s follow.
2h39
